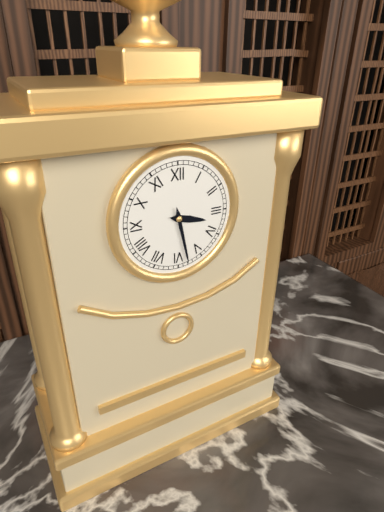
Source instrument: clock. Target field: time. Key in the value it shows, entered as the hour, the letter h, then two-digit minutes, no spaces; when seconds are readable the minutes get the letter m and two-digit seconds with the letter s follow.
3h28
